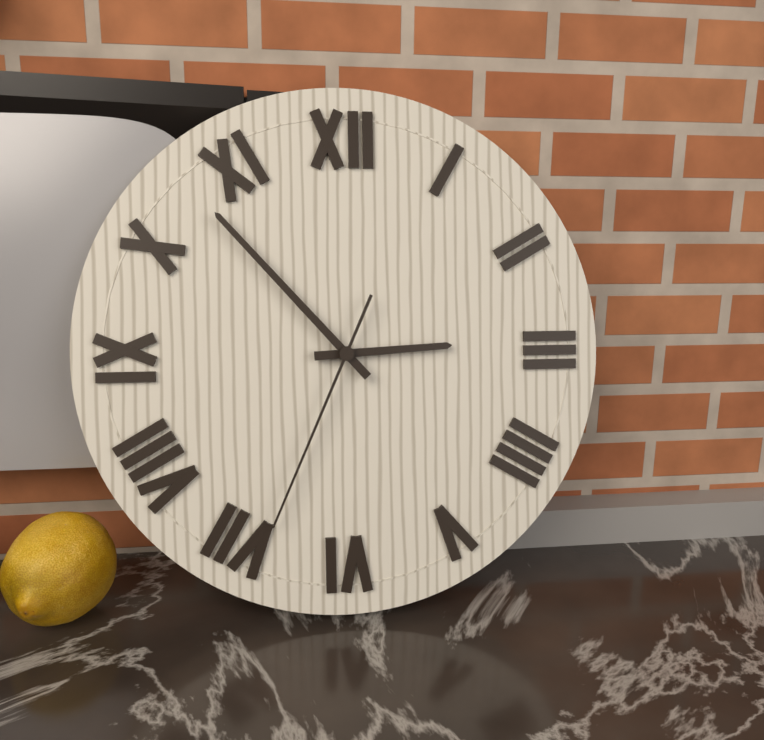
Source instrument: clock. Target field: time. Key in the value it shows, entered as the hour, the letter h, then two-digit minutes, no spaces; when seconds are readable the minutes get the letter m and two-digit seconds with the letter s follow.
2h53m34s
